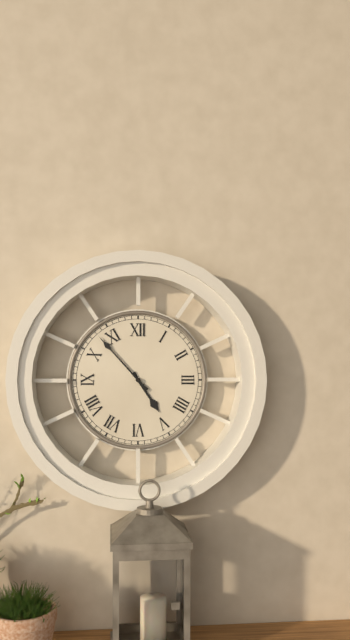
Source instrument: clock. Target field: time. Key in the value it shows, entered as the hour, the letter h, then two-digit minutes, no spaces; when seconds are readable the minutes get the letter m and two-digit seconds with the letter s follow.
4h53
